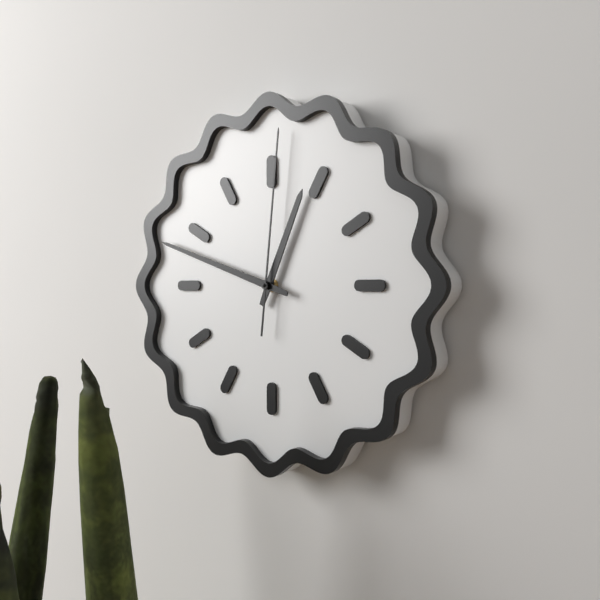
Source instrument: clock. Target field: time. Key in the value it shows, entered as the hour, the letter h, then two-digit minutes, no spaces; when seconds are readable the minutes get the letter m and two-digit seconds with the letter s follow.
12h48m01s
